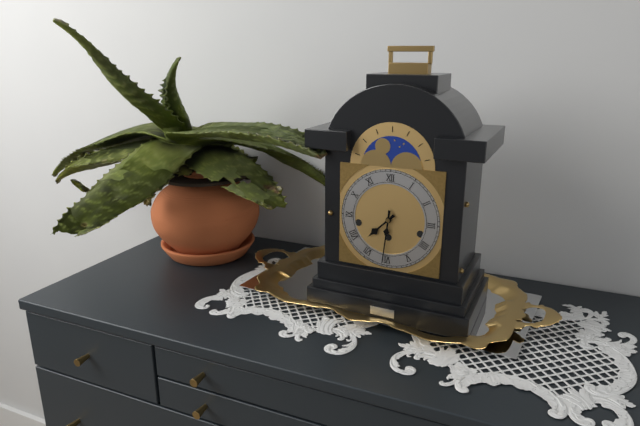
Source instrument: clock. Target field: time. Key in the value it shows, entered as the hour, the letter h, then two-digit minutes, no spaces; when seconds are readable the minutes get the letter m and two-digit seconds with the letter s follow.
7h31
